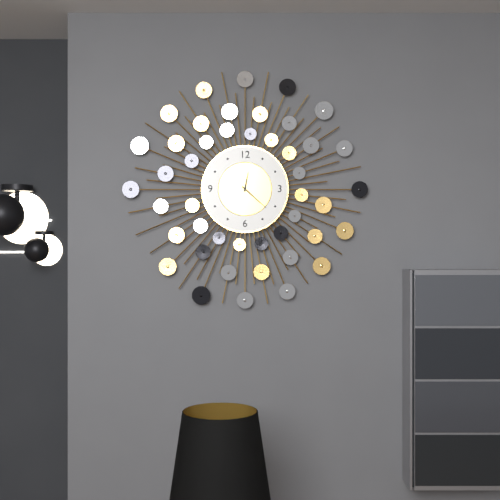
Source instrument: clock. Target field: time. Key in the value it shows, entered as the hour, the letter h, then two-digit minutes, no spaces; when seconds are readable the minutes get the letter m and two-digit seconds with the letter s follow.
12h22
